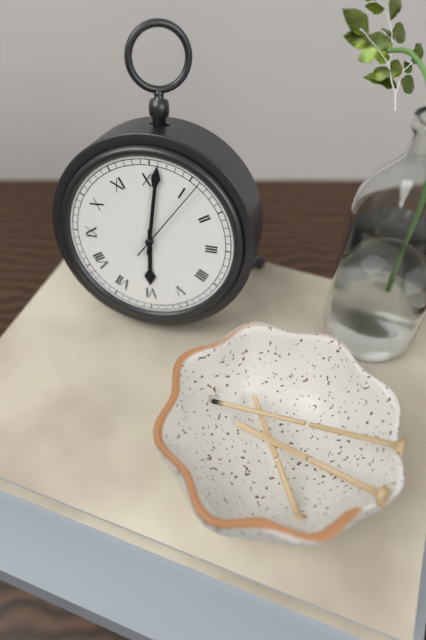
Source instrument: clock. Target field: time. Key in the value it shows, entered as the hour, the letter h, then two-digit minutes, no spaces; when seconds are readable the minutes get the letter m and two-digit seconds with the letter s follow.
6h01m06s
